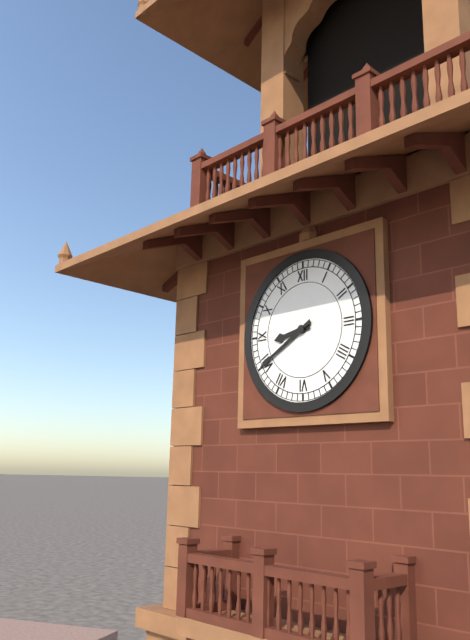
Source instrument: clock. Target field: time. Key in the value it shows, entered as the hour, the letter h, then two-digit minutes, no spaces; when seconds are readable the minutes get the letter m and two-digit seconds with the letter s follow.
8h40
